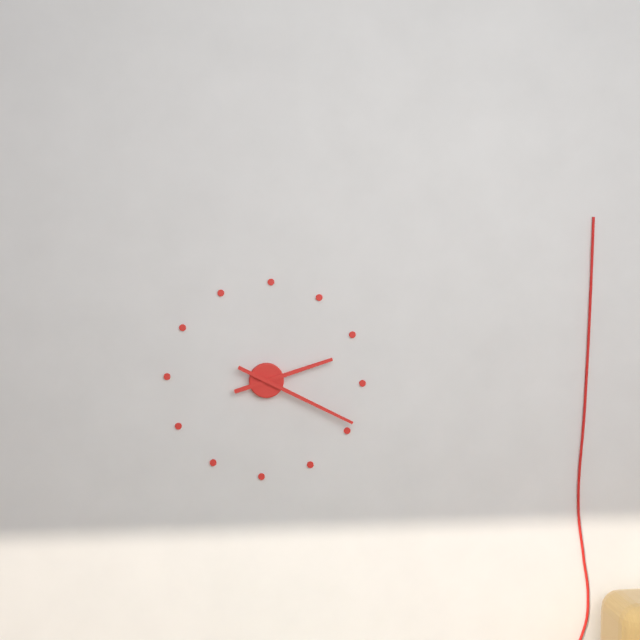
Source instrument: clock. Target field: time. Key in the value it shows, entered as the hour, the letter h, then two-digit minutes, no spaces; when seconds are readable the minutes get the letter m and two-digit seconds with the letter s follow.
2h19
